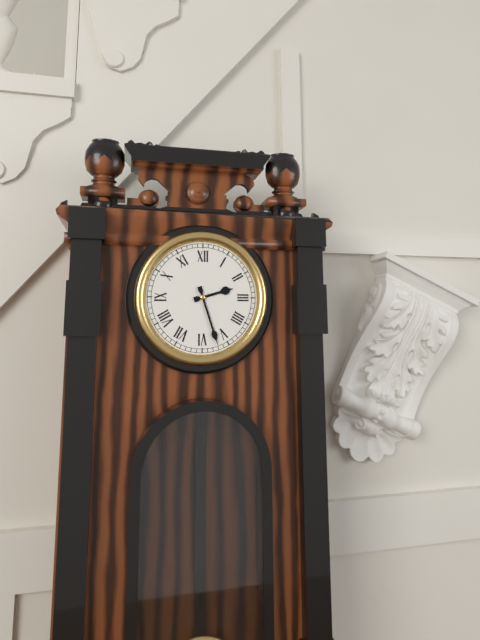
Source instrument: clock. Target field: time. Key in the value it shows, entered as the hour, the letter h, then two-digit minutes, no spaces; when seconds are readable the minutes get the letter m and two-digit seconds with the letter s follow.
2h27
